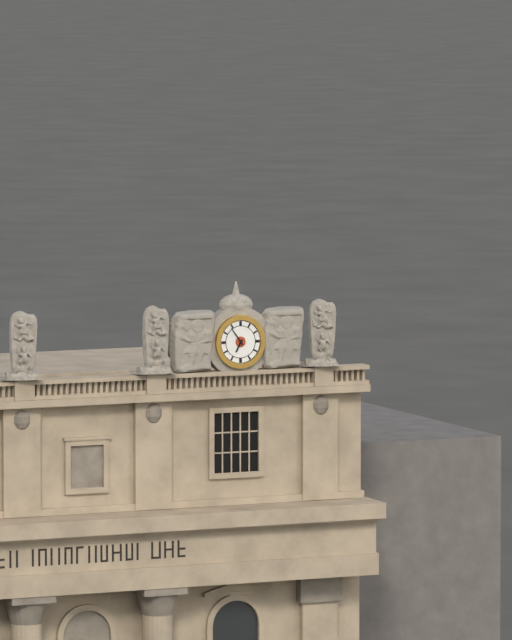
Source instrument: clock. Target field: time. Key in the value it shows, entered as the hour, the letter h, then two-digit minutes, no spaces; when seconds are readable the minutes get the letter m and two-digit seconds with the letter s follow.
6h54
